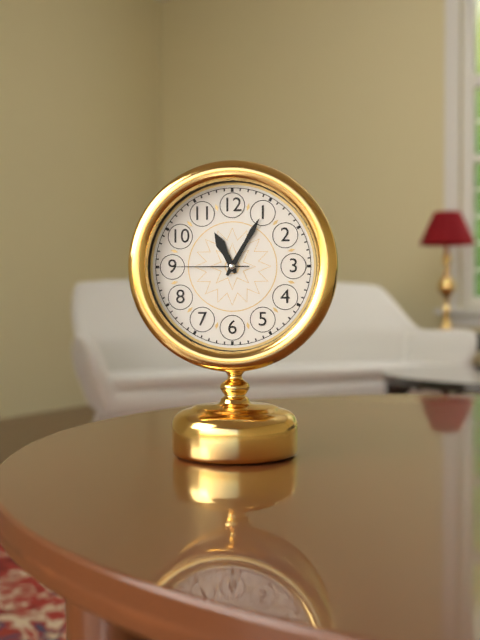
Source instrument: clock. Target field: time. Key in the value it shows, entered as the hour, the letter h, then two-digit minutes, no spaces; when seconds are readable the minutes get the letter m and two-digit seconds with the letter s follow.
11h05m45s
